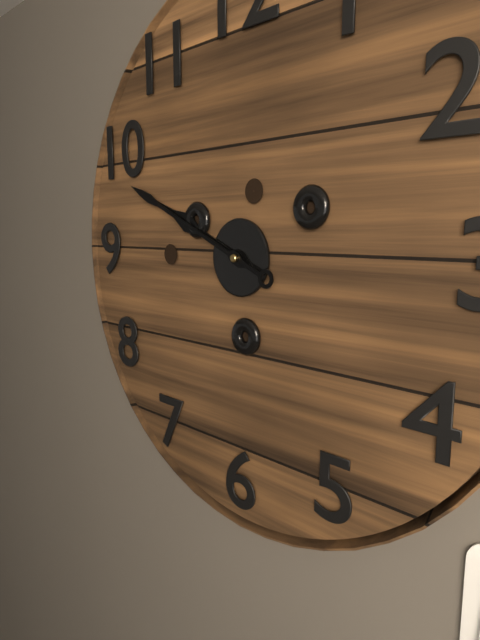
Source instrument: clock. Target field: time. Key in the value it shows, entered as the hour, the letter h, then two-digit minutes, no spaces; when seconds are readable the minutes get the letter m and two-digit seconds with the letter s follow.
9h49
